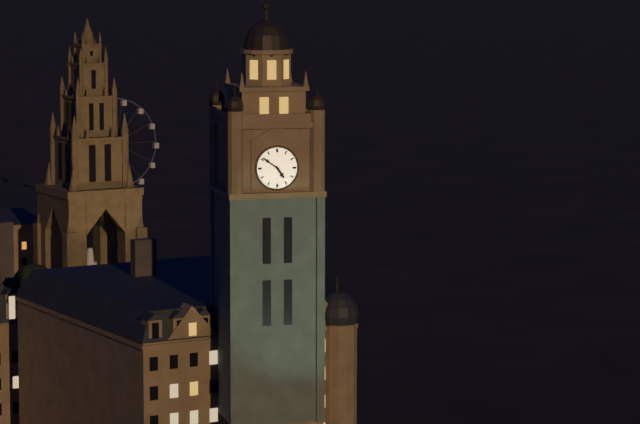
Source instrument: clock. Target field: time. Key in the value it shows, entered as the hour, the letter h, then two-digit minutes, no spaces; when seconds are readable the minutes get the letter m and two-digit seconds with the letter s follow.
4h51
